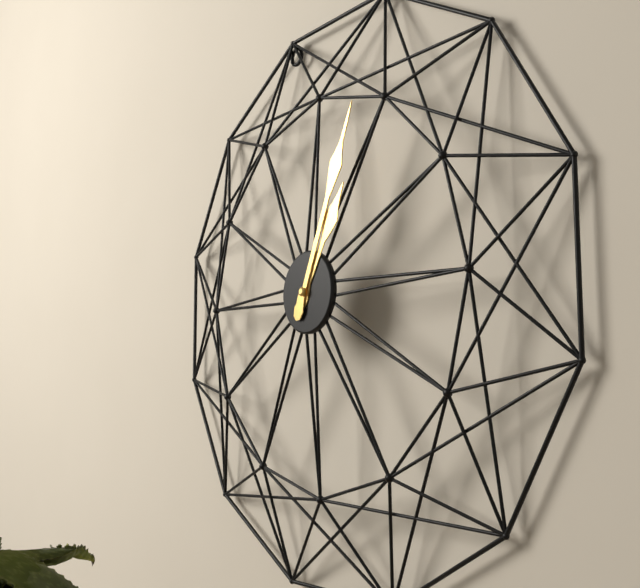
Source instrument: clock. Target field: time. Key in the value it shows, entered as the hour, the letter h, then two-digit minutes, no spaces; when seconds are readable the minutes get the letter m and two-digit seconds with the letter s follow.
1h04
